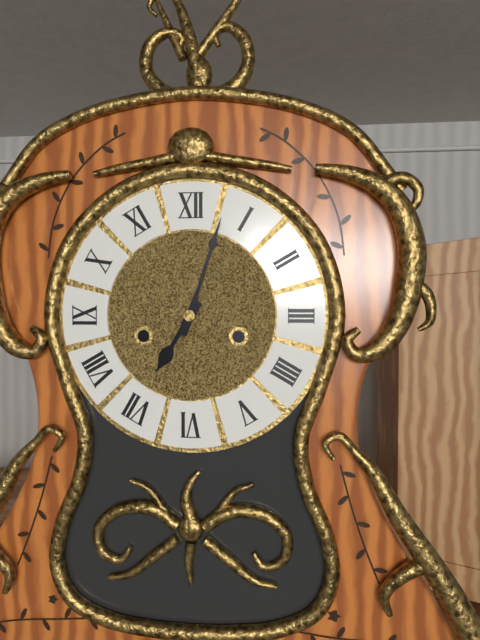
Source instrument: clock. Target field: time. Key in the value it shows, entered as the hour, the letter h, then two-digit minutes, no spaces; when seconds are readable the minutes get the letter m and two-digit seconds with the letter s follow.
7h03
